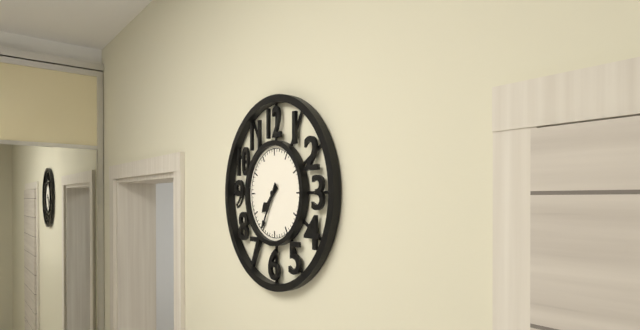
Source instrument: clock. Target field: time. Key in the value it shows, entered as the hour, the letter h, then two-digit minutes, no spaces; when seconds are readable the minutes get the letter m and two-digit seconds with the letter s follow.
7h35
